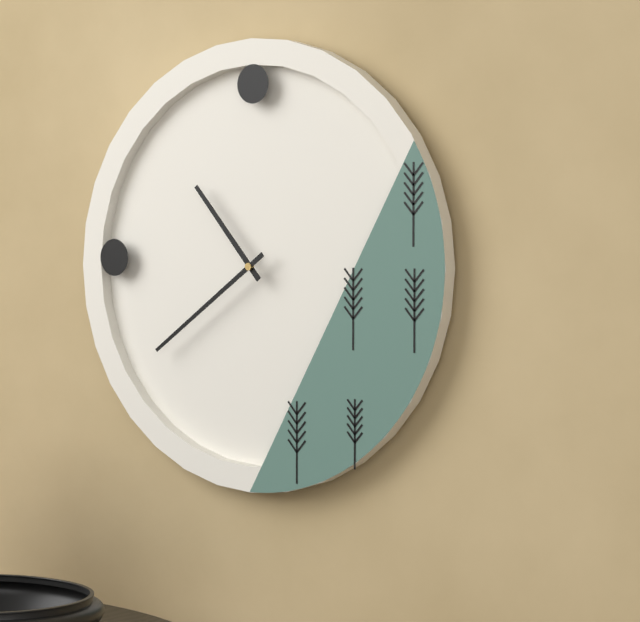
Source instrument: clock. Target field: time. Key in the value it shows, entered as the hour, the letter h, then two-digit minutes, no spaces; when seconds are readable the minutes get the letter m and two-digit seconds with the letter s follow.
10h39
